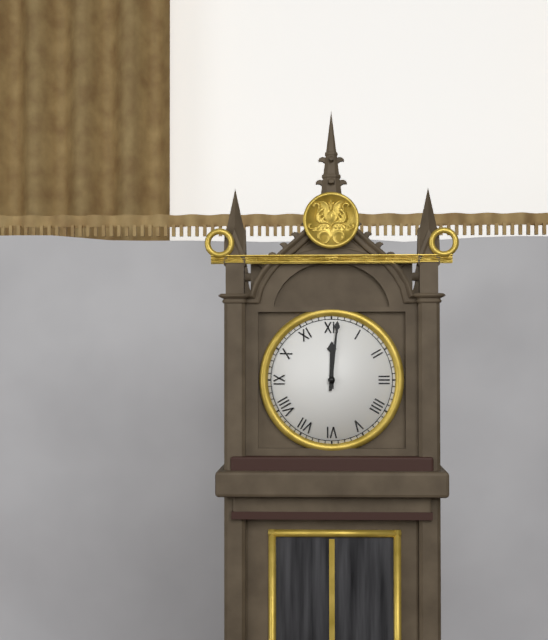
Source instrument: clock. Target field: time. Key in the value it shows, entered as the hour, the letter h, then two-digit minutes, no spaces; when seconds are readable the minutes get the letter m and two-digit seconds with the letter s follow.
12h01
